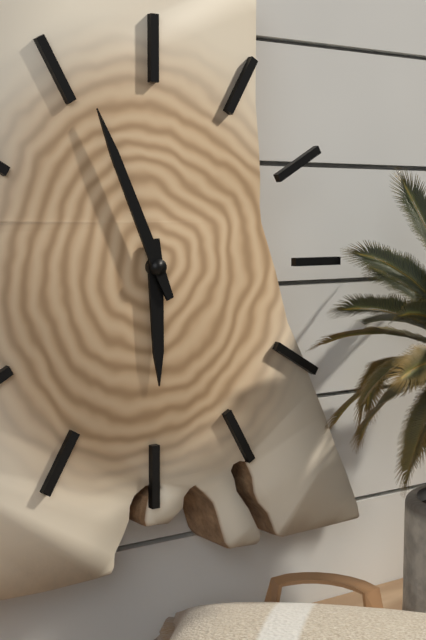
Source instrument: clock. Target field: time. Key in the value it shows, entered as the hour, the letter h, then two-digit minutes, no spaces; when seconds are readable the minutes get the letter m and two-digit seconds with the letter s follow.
5h56
